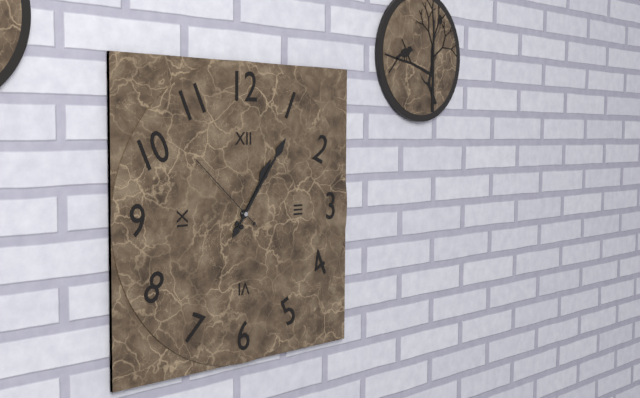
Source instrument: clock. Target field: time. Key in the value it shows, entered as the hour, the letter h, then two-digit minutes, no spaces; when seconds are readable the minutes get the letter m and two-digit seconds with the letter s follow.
1h06m52s
